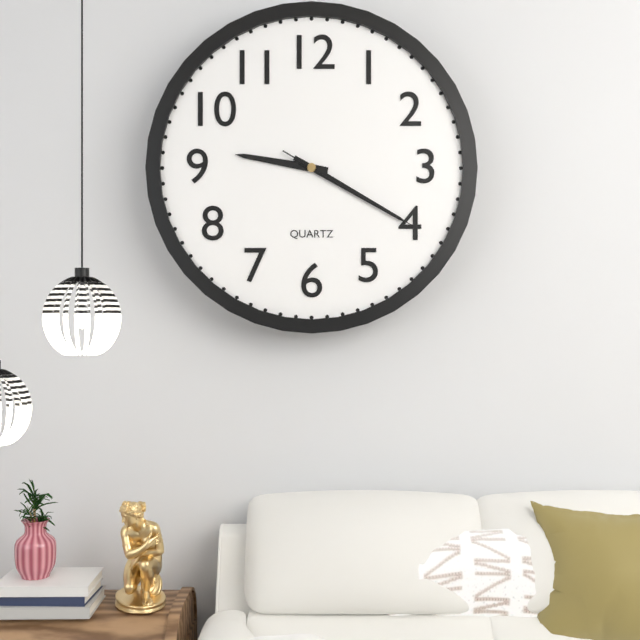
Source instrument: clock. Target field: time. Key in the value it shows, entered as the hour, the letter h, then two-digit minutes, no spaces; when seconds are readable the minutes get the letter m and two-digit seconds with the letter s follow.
9h20m20s
